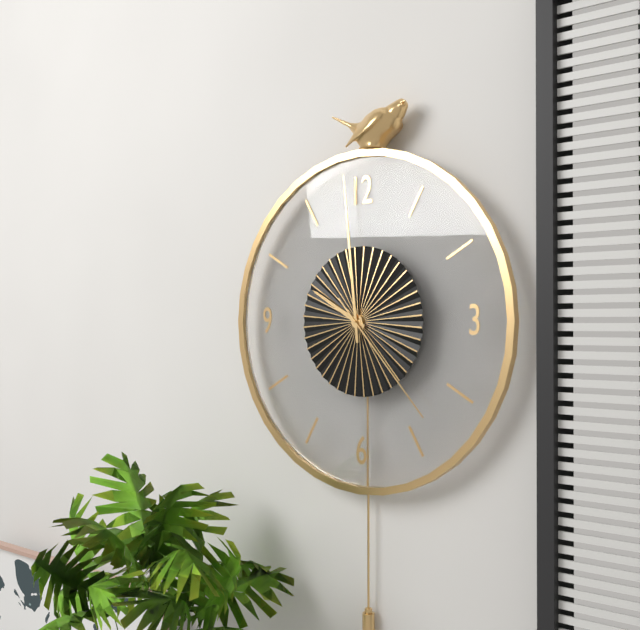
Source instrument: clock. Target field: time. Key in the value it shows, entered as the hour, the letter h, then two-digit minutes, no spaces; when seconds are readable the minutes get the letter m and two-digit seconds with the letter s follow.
9h59m23s
